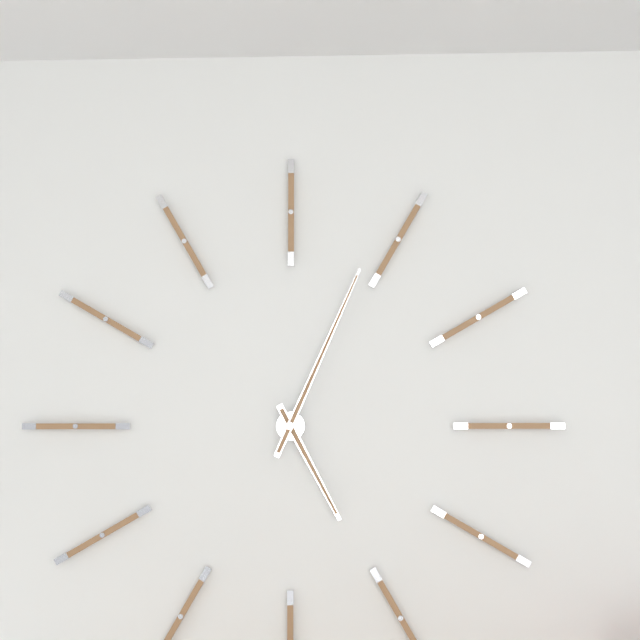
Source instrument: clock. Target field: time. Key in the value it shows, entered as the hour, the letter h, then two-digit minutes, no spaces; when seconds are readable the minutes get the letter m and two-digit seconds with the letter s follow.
5h04
